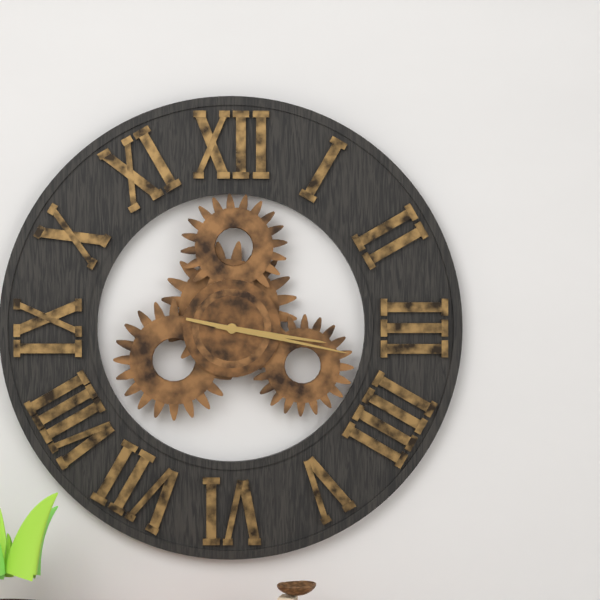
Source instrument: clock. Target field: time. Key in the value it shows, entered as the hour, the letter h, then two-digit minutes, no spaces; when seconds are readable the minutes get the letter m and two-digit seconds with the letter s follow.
3h17
